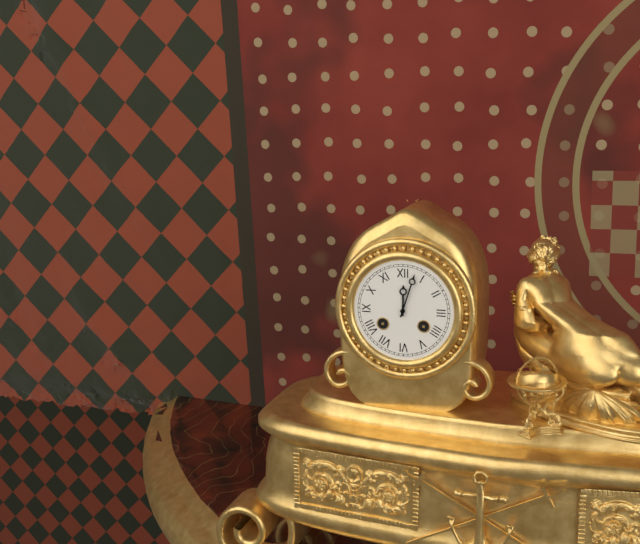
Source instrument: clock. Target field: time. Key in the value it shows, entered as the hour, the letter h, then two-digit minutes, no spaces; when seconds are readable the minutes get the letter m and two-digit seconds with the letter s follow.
12h03
